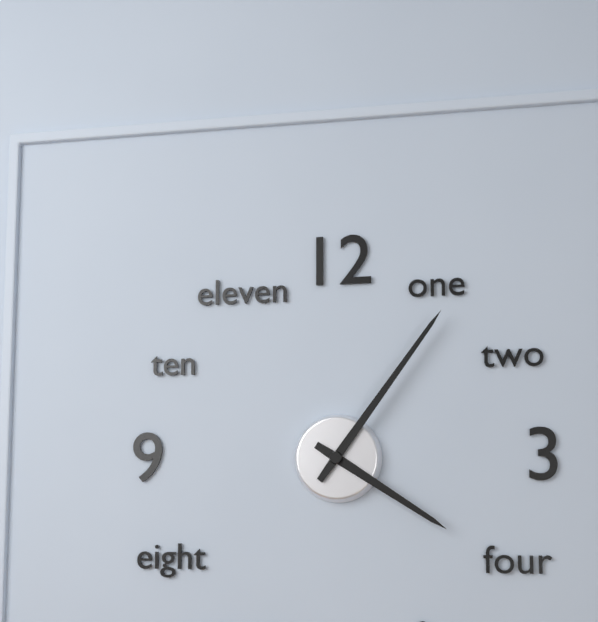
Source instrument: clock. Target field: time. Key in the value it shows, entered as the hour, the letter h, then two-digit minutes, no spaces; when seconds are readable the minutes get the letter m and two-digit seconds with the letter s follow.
4h06
